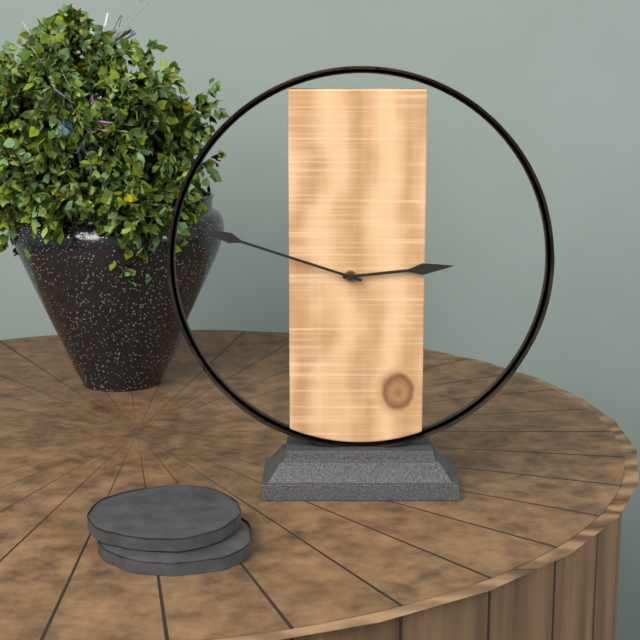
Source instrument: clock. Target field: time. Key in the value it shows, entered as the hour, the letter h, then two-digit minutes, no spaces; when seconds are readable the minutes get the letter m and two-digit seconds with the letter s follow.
2h48
